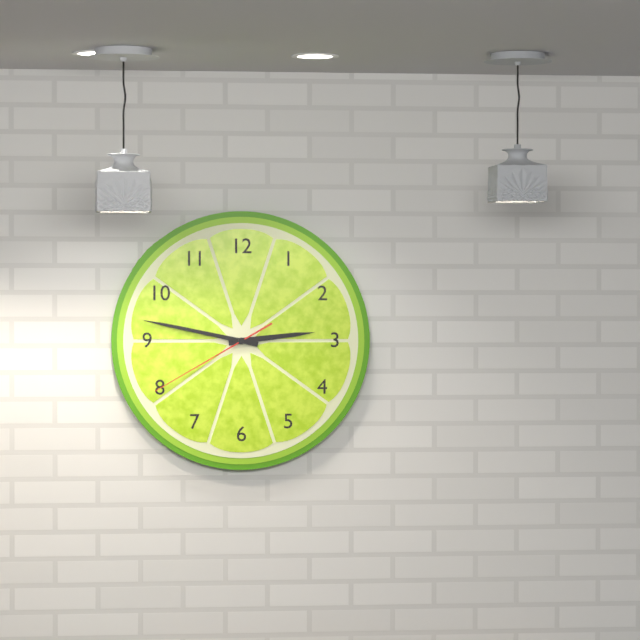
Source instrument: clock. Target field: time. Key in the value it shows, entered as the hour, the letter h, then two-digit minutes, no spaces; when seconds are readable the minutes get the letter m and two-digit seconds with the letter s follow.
2h47m40s
